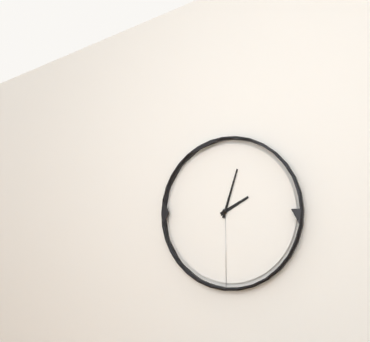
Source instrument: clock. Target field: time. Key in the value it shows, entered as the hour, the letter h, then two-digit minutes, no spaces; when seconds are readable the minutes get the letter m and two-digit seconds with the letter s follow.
2h03
